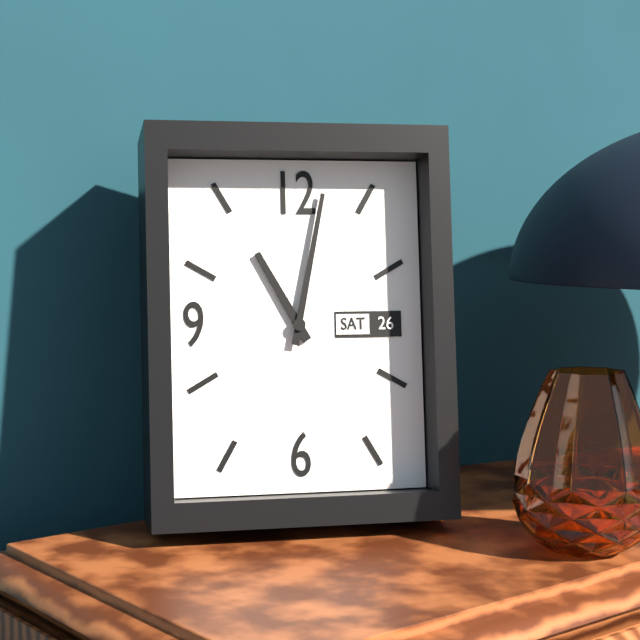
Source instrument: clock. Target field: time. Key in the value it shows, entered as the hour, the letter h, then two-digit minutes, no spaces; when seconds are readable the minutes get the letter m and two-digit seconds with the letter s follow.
11h02
